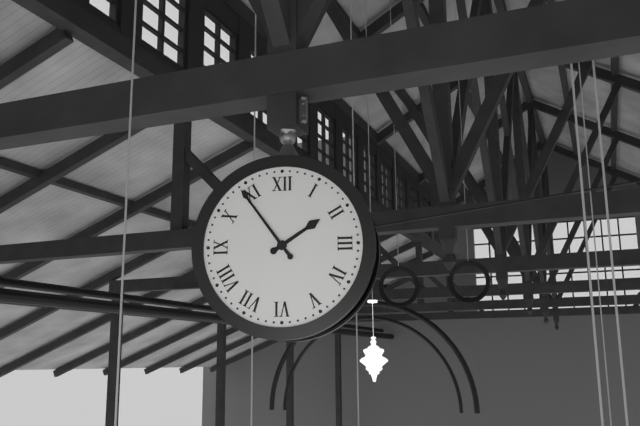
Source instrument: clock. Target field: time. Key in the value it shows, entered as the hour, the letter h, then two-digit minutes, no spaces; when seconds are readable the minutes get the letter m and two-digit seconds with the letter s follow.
1h54
